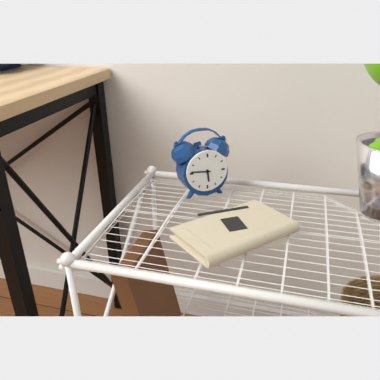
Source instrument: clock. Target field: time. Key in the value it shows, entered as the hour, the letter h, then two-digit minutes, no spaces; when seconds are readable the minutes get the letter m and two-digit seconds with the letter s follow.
5h46
